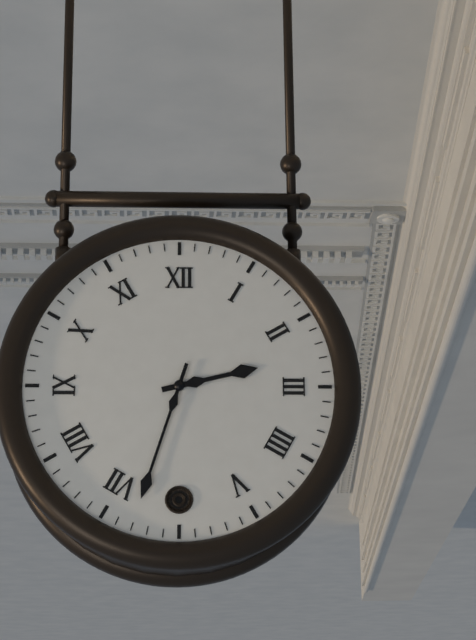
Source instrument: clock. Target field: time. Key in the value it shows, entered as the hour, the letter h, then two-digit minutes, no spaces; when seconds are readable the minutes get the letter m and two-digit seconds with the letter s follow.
2h33
